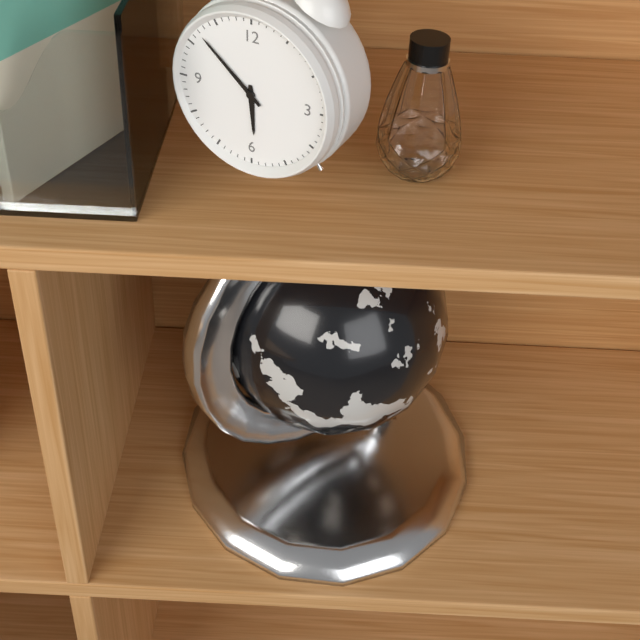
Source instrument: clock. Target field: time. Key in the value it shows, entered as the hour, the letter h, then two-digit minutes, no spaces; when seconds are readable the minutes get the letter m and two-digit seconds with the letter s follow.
5h52
